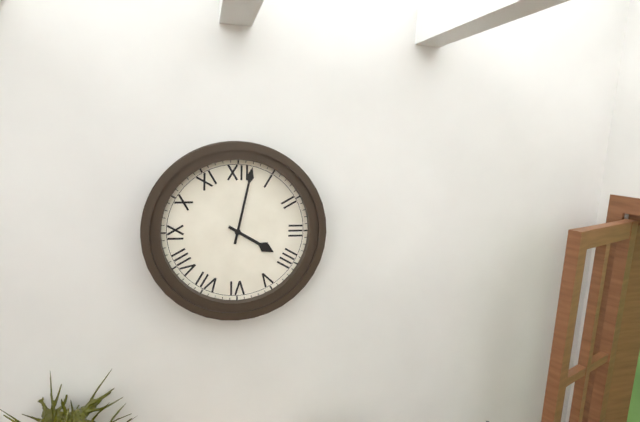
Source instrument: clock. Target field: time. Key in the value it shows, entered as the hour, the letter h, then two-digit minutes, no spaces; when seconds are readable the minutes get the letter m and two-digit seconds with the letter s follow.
4h02
